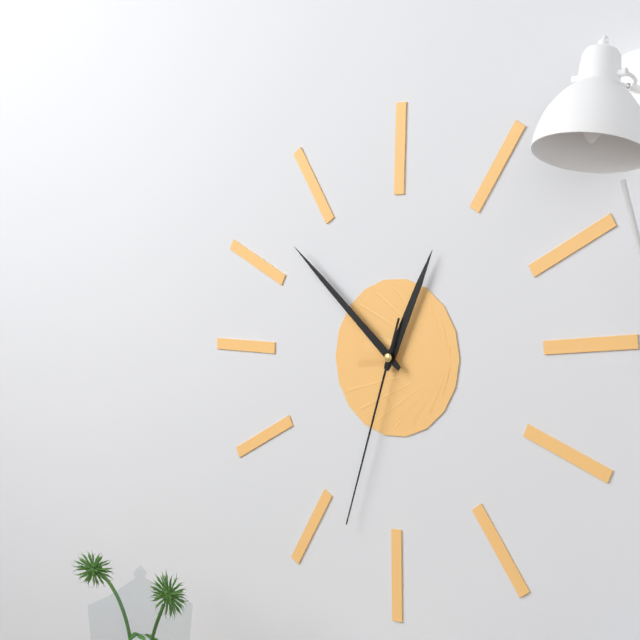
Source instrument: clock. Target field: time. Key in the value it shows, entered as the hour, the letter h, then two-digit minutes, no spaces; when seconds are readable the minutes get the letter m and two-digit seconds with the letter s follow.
12h52m33s
